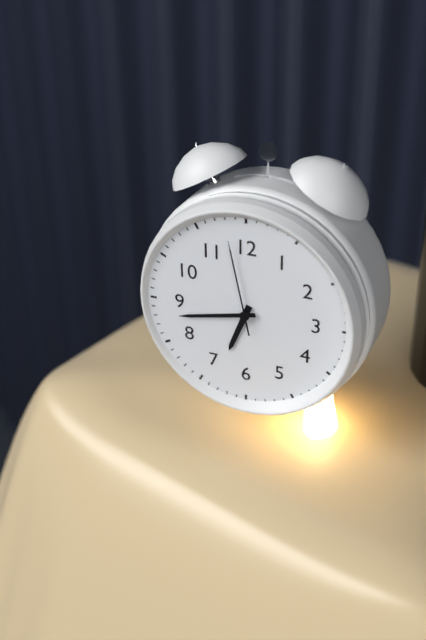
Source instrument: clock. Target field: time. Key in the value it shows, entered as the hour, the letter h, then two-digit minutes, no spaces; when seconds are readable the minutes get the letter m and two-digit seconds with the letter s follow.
6h43m58s
